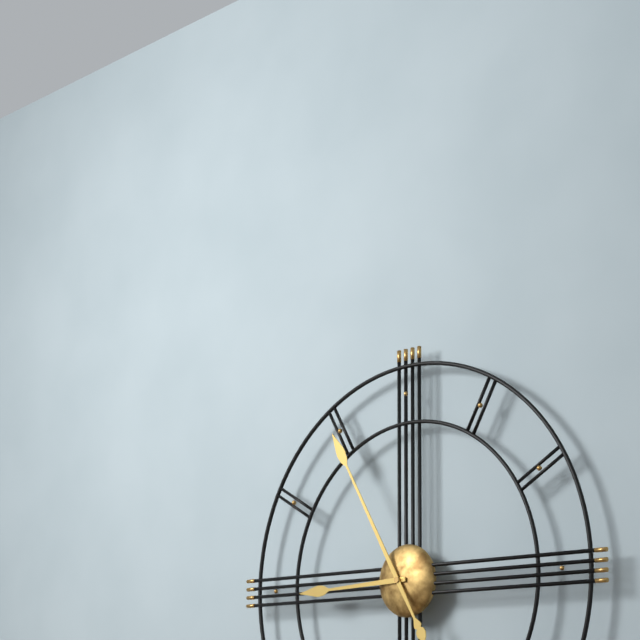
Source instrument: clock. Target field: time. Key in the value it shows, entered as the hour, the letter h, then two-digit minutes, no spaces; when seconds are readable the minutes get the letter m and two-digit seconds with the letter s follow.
8h55
